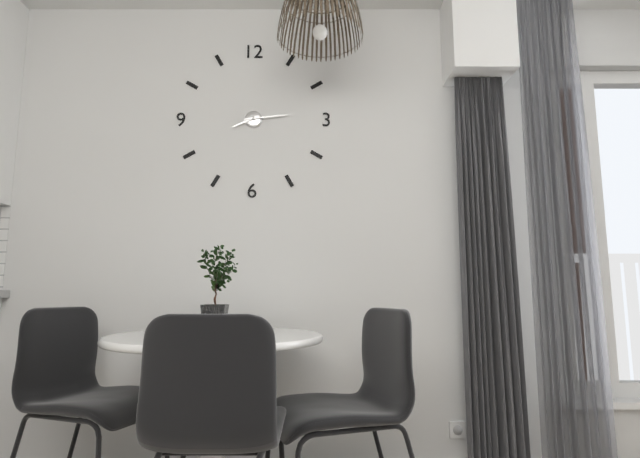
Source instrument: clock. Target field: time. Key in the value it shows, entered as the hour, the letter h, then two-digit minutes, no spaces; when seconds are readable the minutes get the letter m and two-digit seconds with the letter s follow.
8h14
